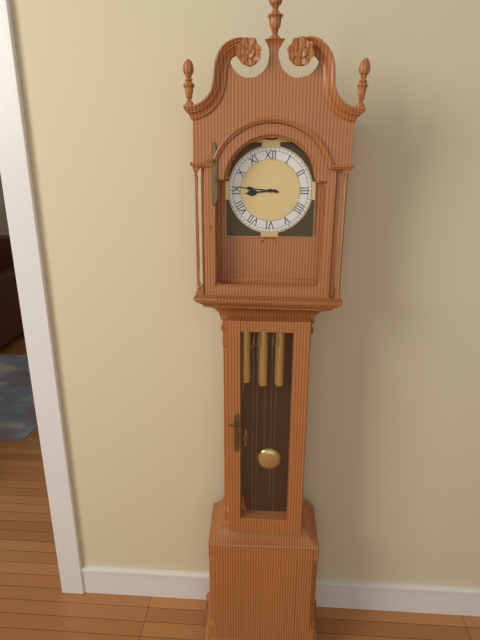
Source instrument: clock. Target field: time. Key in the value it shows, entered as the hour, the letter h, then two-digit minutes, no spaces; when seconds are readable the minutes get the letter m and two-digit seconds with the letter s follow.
8h46
